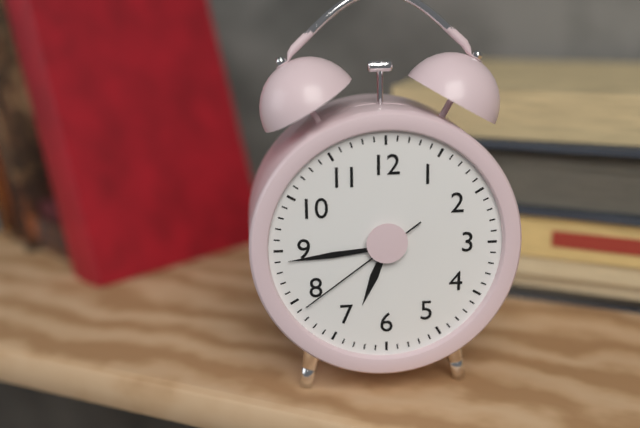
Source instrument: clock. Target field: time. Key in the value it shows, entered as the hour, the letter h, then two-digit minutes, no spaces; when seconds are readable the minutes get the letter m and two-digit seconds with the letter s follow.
6h44m39s
